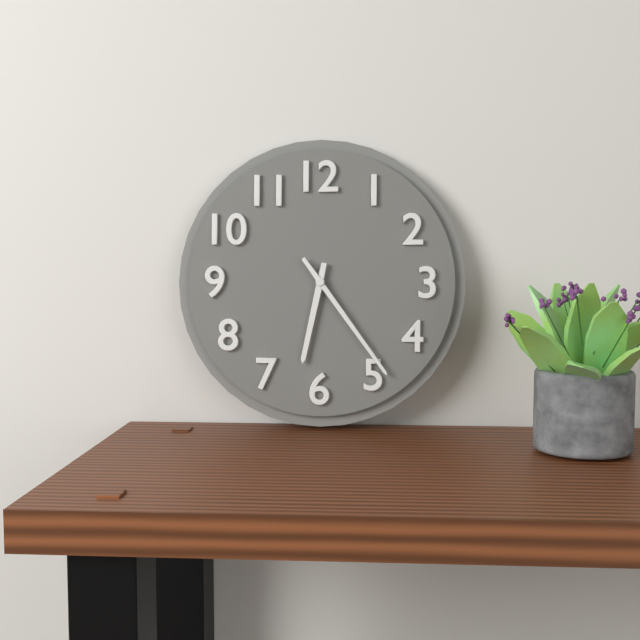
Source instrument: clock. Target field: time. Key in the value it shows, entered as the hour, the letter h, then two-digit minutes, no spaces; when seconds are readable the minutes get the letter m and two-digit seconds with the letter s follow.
6h24
